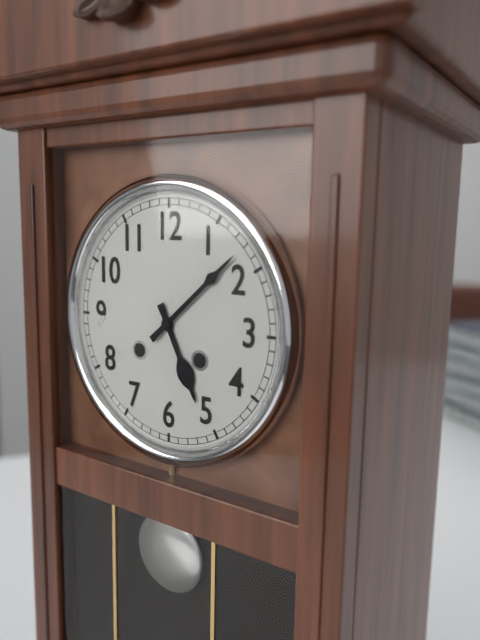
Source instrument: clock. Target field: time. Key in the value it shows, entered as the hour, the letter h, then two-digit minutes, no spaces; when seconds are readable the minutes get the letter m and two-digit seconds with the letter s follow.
5h08
